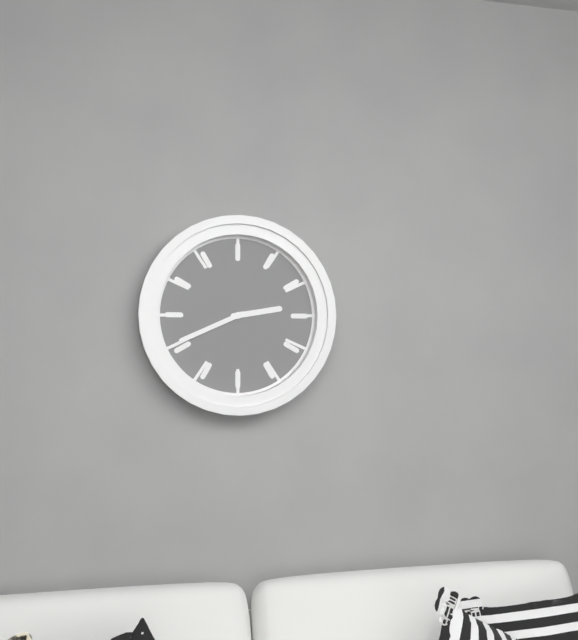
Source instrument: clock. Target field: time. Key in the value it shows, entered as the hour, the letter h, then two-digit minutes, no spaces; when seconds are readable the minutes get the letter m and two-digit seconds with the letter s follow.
2h41
